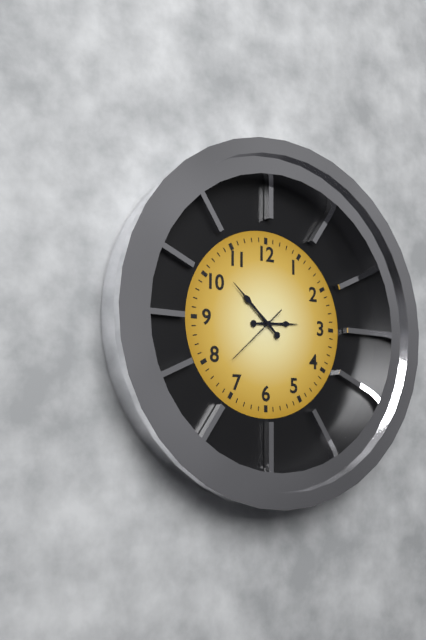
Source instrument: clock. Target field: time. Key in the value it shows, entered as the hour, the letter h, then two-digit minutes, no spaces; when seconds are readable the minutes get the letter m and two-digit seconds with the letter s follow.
2h52m38s
